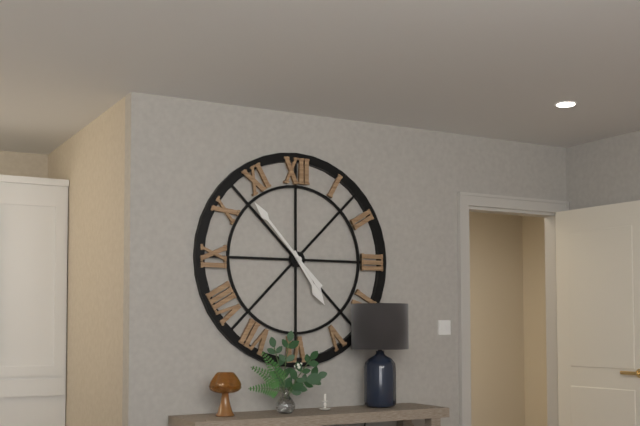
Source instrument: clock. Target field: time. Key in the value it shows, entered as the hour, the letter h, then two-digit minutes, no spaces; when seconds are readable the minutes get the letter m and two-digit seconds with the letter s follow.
4h53
